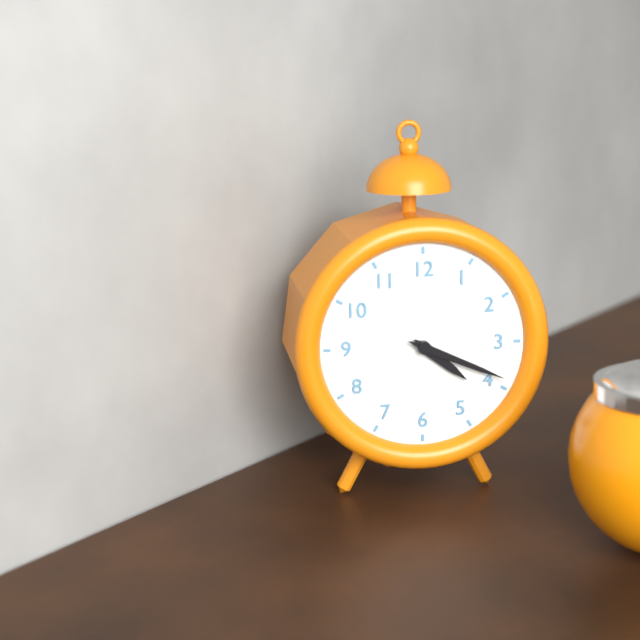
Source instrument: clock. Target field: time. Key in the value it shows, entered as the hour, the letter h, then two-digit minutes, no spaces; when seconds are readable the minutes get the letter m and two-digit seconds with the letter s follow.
4h19
